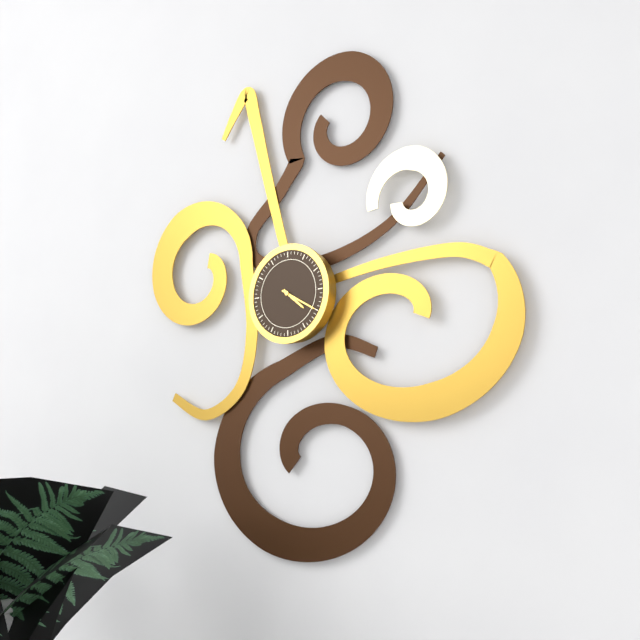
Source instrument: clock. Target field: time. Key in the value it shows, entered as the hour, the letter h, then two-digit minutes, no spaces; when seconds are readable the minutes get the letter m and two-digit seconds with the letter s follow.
4h20
